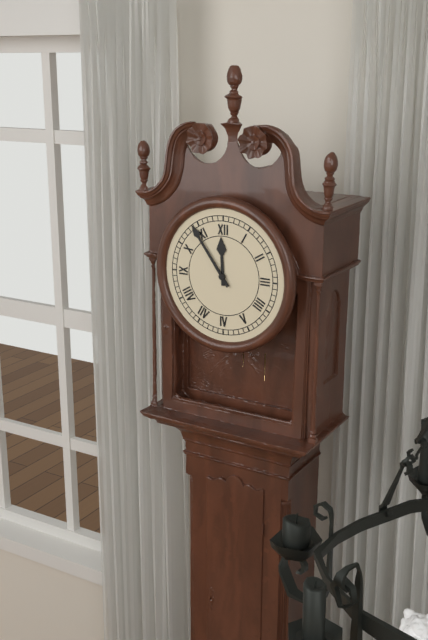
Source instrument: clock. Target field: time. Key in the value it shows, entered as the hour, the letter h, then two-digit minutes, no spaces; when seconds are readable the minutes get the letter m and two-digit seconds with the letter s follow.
11h54
